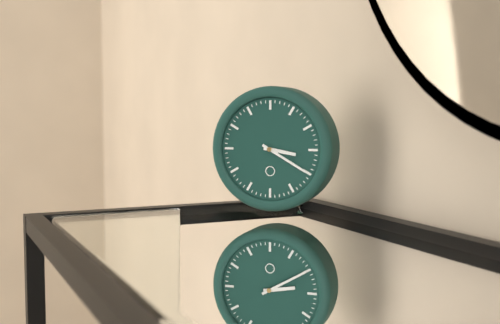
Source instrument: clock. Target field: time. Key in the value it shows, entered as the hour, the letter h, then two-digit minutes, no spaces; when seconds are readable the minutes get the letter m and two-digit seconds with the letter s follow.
3h20
